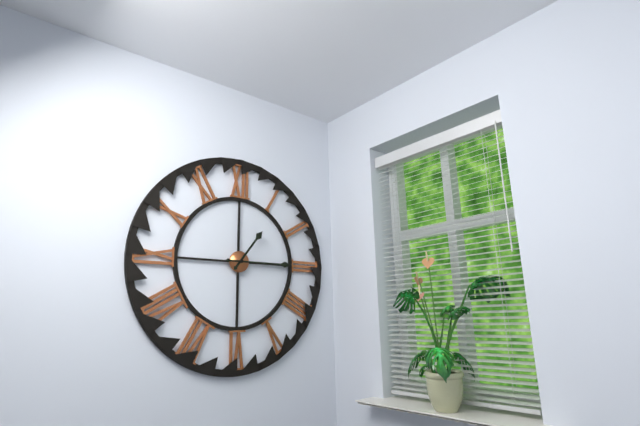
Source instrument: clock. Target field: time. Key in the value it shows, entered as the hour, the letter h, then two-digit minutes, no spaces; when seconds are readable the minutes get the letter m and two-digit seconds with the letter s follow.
1h15
